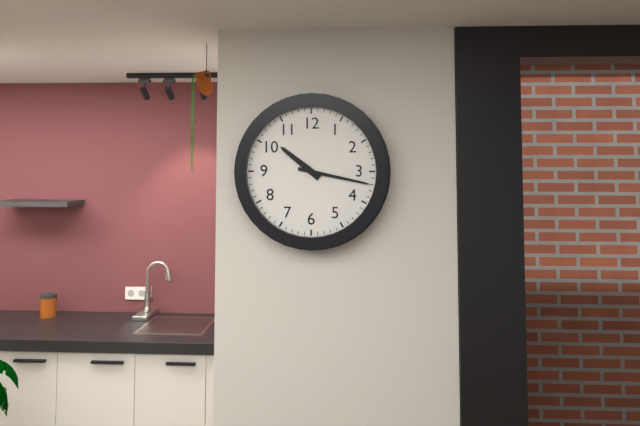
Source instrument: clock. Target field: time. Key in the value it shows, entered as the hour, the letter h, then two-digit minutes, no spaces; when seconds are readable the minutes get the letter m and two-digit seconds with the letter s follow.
10h17
